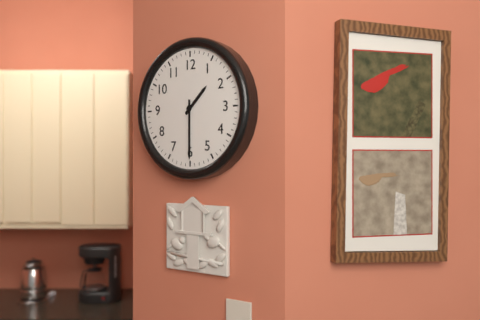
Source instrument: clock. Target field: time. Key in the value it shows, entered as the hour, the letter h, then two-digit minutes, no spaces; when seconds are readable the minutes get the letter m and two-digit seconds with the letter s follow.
1h30
